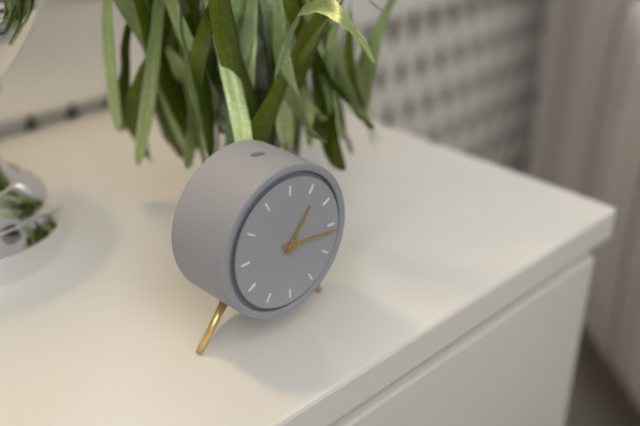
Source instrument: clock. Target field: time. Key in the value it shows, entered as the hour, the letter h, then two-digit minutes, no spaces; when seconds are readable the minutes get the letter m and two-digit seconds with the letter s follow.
1h16
